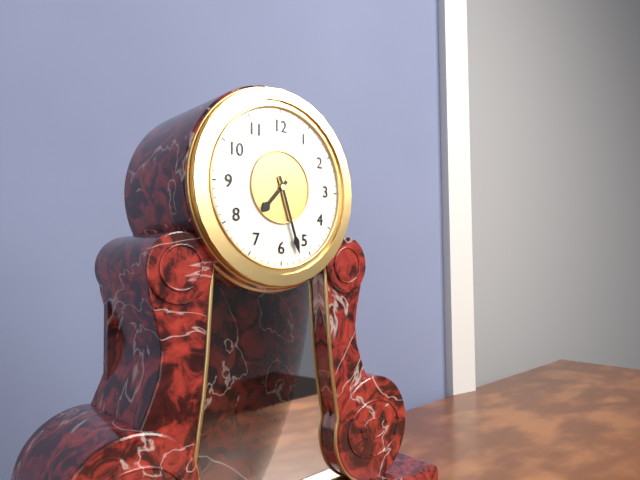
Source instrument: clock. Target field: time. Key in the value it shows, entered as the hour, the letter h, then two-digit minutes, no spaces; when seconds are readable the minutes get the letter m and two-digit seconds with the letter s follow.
7h27
